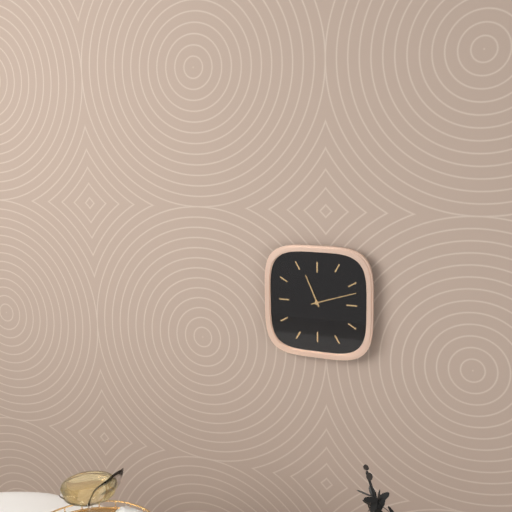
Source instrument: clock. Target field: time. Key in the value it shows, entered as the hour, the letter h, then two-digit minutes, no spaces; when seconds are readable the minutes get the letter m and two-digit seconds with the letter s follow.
11h12
